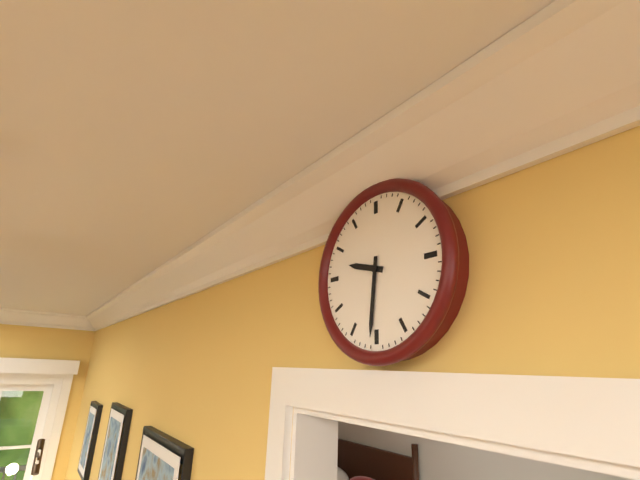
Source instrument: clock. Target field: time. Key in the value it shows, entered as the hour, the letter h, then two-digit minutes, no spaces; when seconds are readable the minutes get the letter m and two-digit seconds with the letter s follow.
9h31
